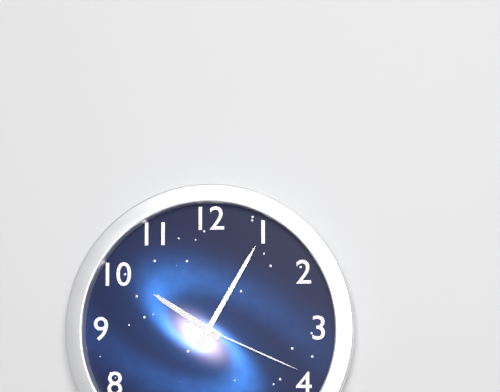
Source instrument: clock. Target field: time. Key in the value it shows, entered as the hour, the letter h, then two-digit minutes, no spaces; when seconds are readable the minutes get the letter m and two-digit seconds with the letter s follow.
10h05m19s
